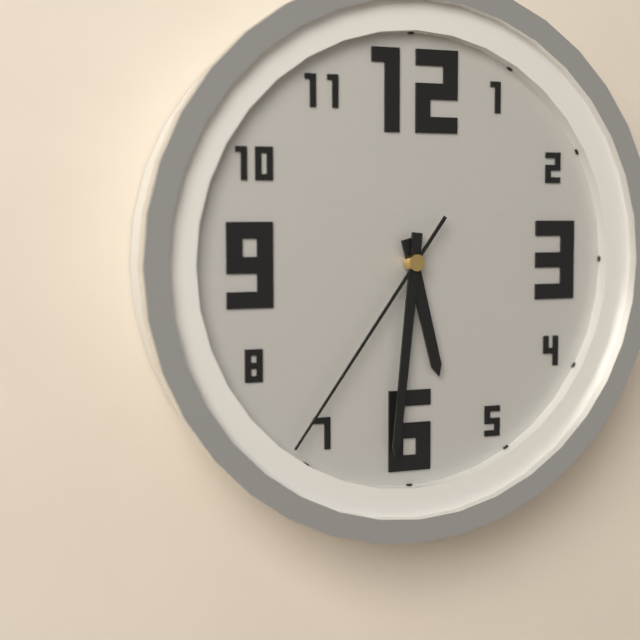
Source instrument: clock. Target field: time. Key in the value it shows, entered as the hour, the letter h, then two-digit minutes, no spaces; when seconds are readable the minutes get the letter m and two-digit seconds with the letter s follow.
5h31m36s
